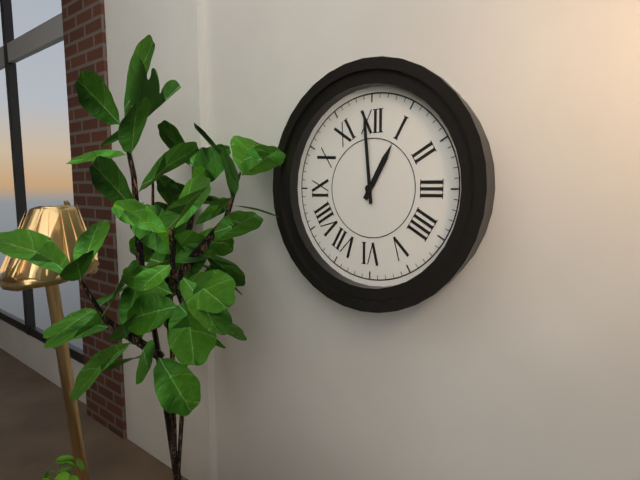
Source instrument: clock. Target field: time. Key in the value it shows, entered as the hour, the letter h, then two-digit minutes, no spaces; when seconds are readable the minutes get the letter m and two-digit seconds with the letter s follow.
12h59
